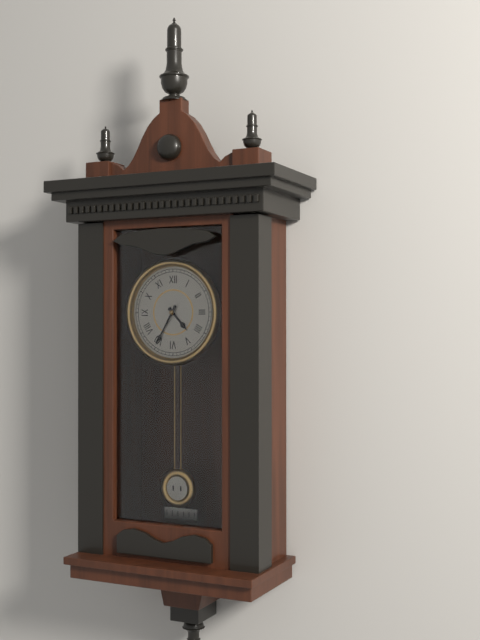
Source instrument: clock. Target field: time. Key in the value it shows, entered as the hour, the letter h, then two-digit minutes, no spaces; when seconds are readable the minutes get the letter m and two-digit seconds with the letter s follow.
4h35
